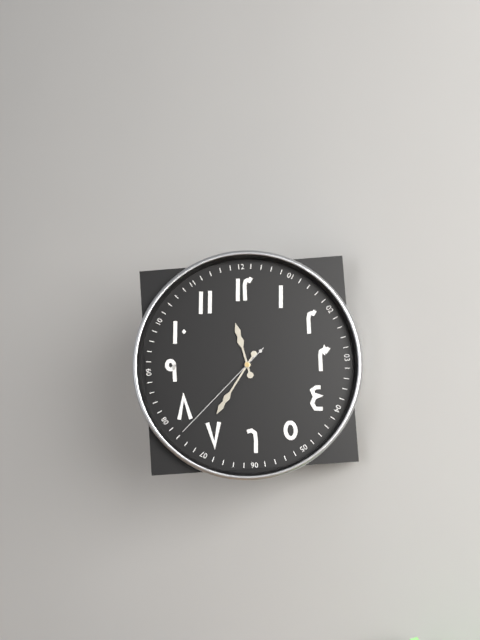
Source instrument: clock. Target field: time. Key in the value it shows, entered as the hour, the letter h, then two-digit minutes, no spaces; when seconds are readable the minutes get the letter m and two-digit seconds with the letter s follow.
11h36m38s
